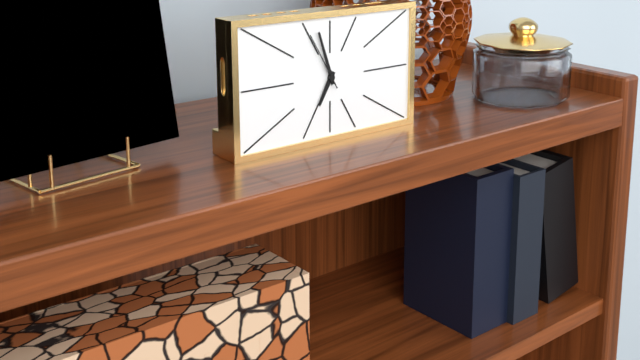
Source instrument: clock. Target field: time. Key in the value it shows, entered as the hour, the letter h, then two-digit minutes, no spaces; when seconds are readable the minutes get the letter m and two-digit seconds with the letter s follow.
6h57m55s
